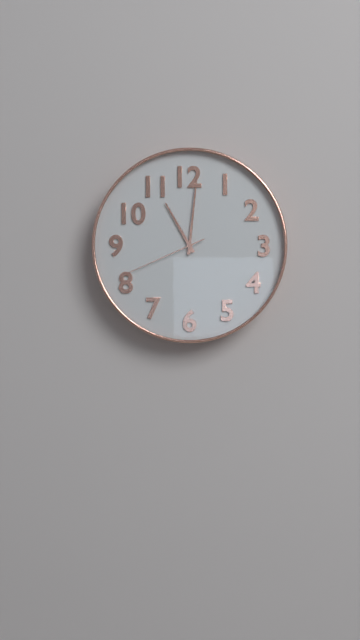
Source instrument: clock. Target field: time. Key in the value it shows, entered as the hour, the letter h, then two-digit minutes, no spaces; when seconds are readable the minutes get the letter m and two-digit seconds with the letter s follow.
11h01m41s
